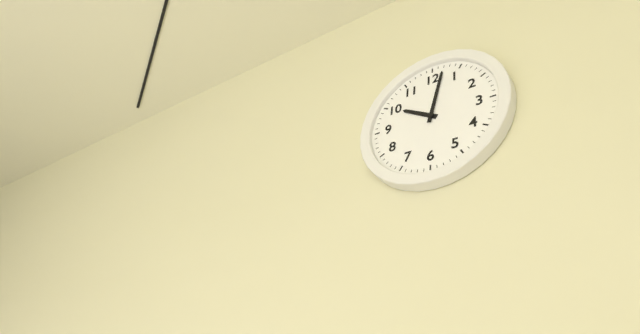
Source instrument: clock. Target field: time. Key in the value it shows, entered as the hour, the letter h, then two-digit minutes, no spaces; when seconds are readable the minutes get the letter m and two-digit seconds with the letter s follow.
10h02
